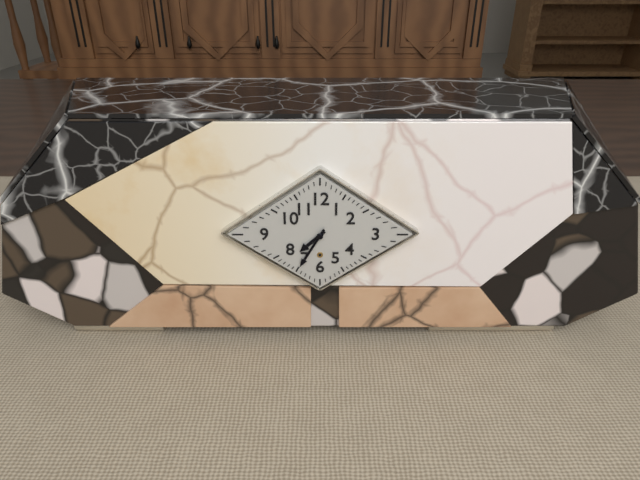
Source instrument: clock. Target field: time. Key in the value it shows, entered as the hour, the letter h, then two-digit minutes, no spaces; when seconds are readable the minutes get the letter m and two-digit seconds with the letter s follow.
7h35
